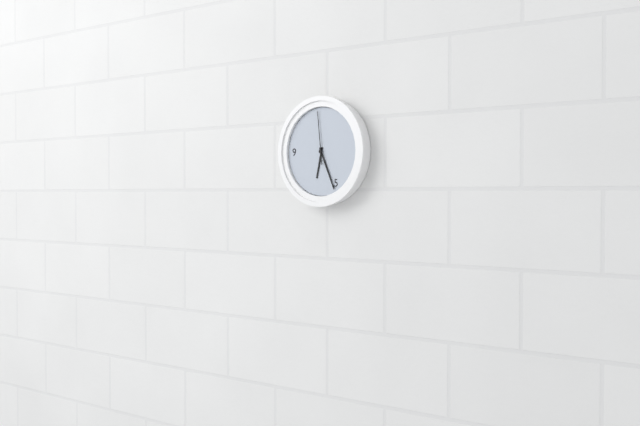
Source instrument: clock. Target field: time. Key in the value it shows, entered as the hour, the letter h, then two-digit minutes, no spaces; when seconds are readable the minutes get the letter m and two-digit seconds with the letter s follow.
6h26m59s
